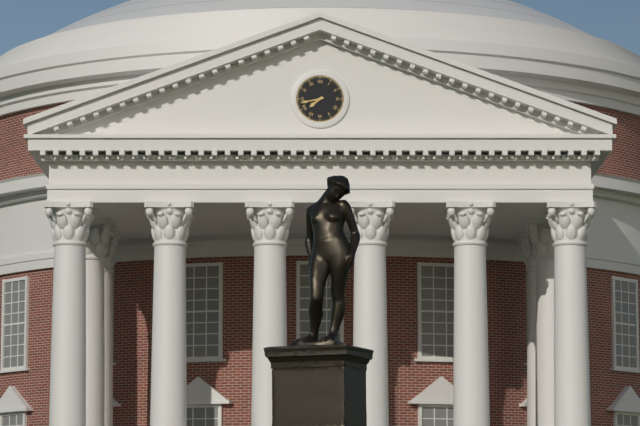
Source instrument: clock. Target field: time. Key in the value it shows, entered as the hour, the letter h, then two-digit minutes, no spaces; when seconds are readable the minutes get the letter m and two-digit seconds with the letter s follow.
7h43
